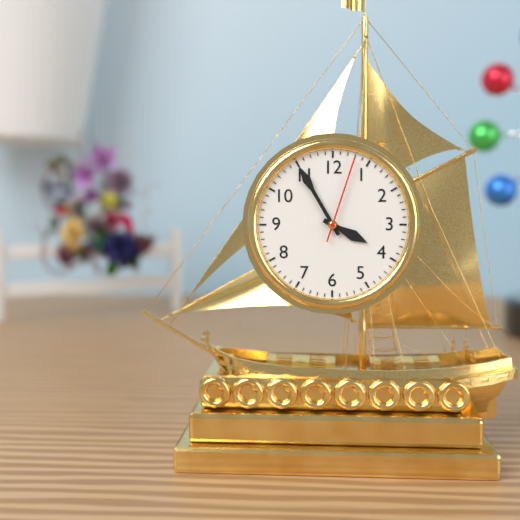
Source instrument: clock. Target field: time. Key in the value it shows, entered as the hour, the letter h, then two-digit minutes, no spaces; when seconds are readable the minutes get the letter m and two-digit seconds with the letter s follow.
3h55m03s
